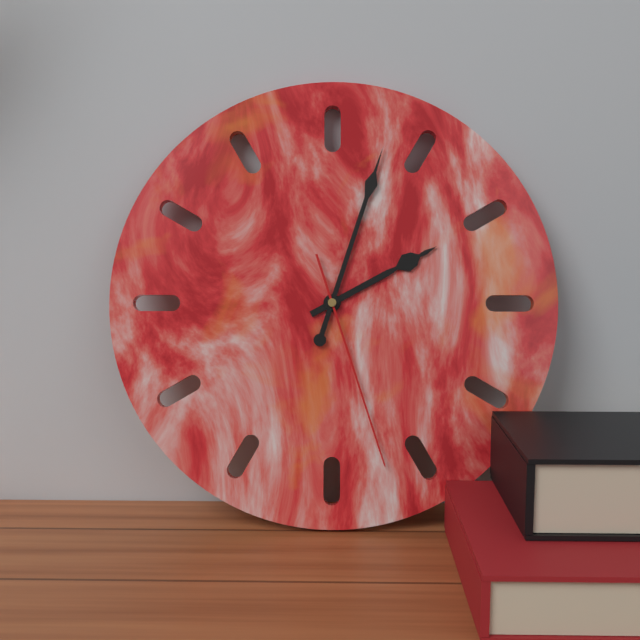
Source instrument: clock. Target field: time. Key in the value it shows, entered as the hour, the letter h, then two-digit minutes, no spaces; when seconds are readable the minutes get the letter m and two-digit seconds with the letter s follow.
2h03m27s
